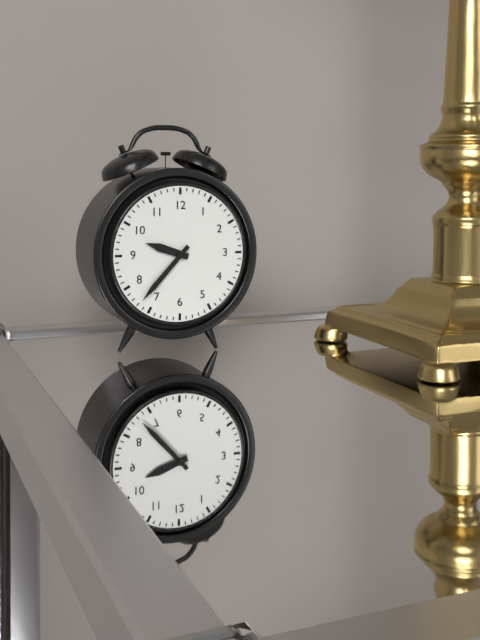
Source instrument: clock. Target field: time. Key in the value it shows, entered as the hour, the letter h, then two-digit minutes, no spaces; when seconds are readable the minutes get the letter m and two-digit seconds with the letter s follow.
9h37
